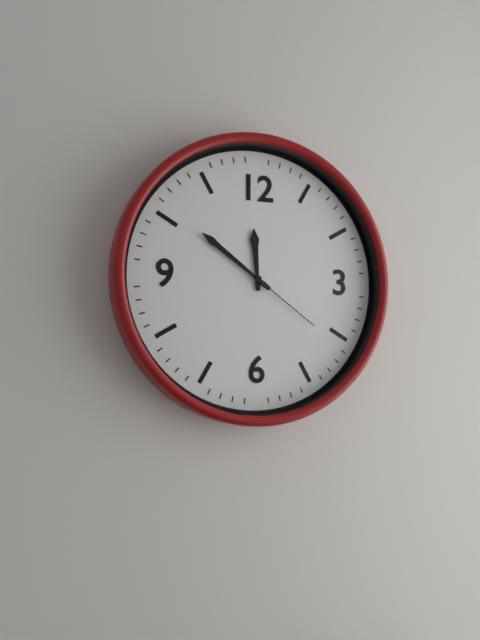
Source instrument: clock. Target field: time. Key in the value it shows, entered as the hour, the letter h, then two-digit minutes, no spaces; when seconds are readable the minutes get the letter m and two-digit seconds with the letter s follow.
11h51m21s
